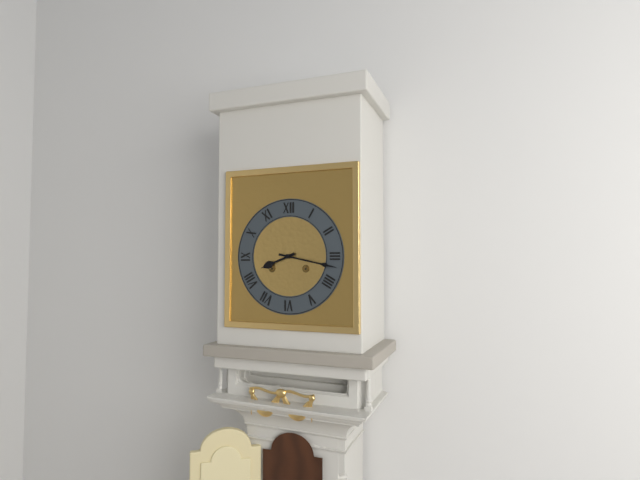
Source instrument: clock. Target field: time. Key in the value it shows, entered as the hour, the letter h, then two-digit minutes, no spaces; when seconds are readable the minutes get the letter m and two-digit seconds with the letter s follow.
8h17
